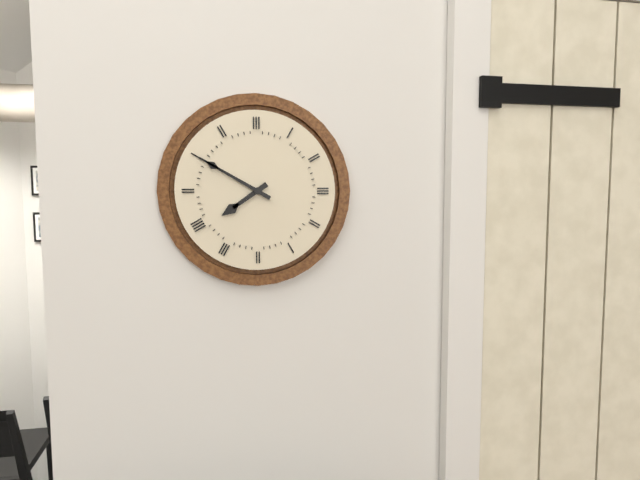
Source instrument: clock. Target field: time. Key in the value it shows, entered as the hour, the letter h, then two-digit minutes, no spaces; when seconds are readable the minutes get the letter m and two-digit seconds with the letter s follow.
7h50
